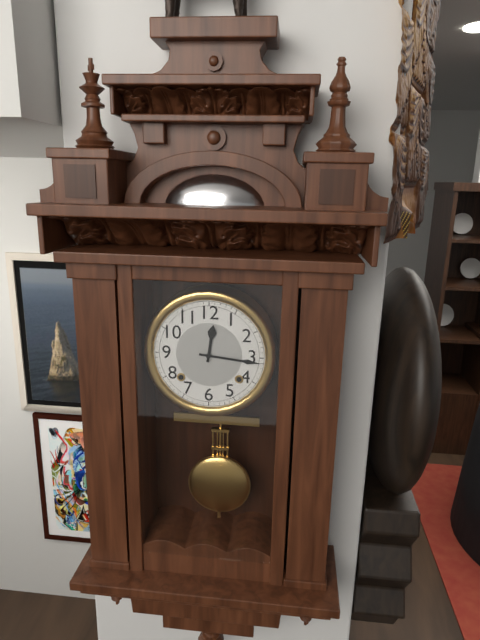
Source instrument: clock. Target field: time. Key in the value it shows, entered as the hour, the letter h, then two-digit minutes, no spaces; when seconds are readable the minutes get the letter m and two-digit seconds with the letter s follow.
12h16
